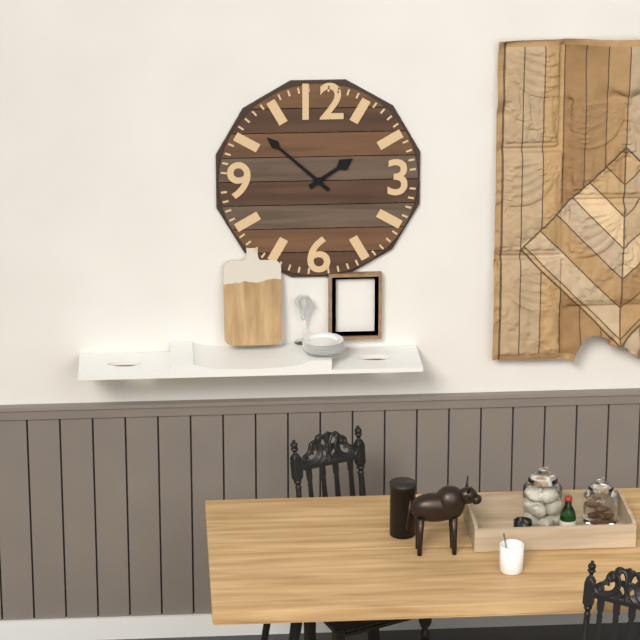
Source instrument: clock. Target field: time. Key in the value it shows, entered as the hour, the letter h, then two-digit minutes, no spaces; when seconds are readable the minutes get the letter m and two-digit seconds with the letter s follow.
1h52
